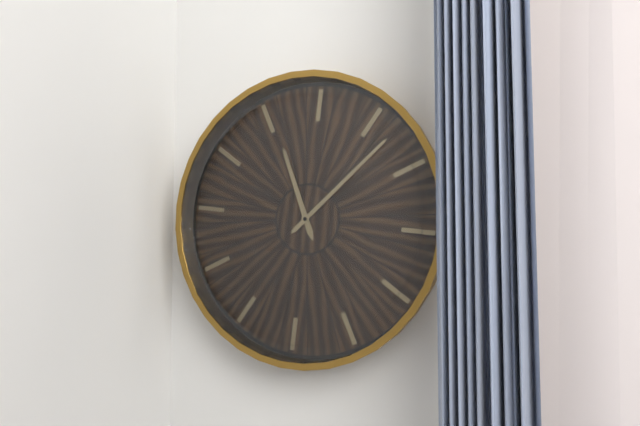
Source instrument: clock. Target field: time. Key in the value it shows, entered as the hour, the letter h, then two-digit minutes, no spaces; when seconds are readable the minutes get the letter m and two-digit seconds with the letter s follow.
11h07
